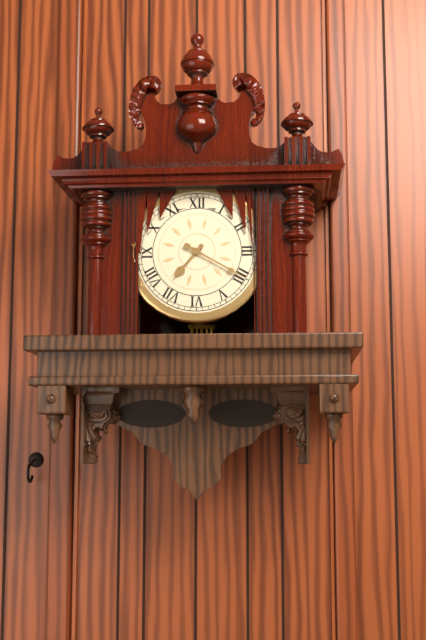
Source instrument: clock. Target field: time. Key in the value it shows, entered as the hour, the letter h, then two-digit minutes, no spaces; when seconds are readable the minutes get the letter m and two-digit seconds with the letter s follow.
7h20
